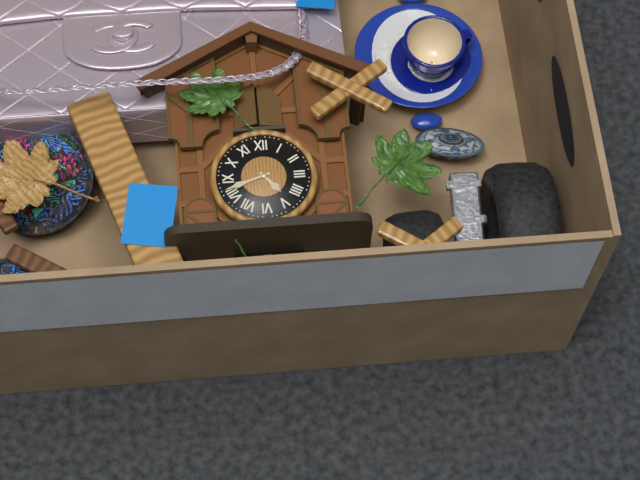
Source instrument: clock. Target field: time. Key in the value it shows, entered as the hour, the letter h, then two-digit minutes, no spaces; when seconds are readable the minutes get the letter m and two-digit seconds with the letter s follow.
4h42
